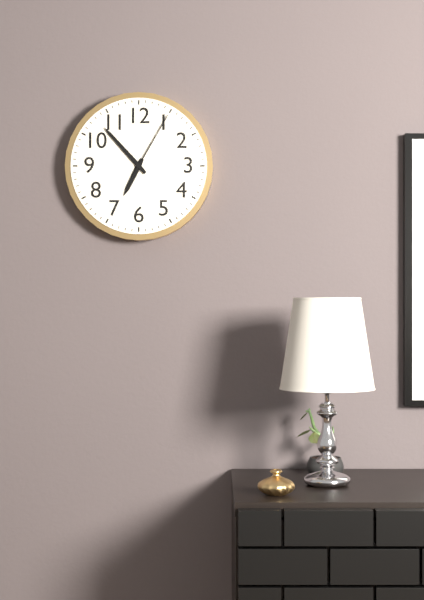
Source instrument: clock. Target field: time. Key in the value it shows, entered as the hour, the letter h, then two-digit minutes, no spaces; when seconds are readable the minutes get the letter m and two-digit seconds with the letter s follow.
6h53m05s
